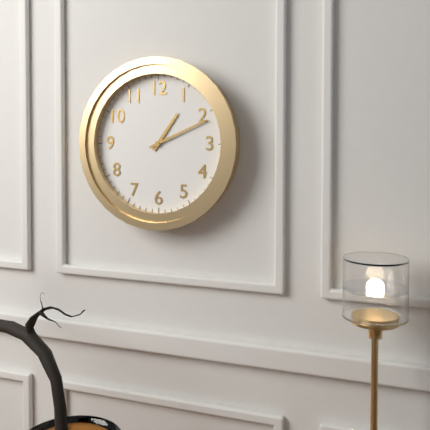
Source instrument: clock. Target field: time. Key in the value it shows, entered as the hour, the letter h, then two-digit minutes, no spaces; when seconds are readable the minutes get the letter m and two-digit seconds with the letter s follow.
1h11
